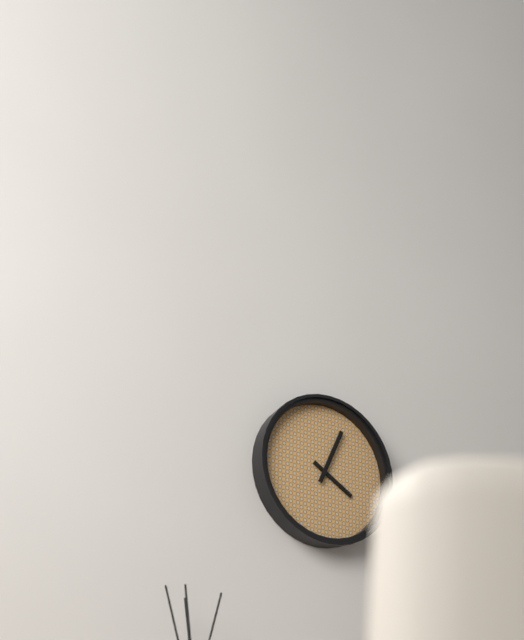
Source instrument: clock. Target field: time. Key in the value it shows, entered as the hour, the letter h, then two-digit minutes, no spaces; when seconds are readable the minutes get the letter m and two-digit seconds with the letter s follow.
4h04
